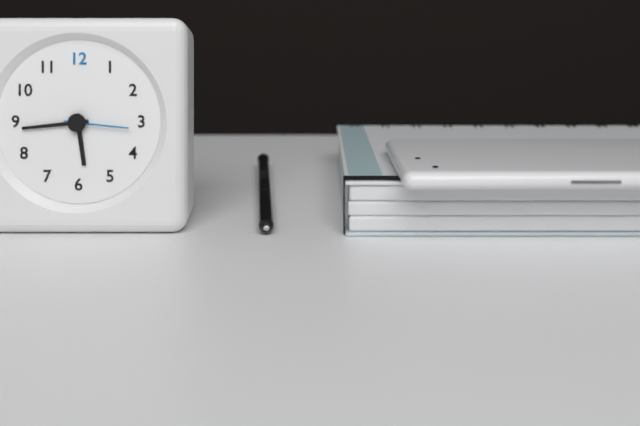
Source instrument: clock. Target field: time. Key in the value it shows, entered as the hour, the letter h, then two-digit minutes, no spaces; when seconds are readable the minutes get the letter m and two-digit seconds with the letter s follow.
5h44m16s
